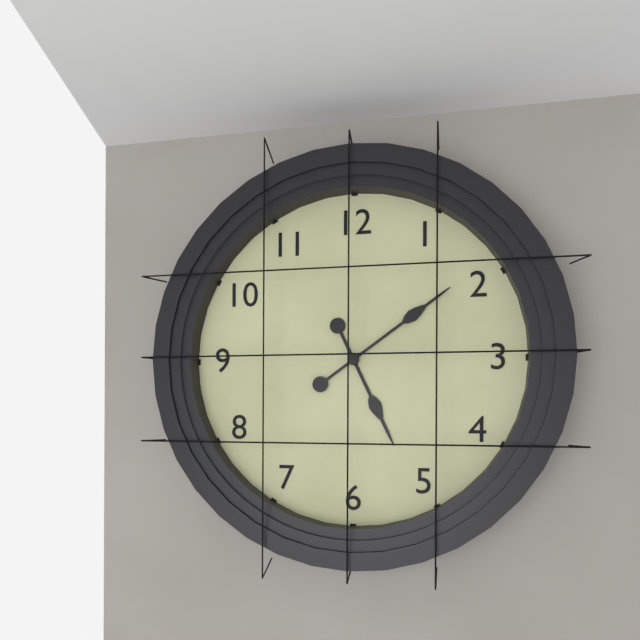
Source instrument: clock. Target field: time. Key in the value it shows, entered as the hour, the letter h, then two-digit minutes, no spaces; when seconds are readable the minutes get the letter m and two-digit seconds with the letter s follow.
5h09
